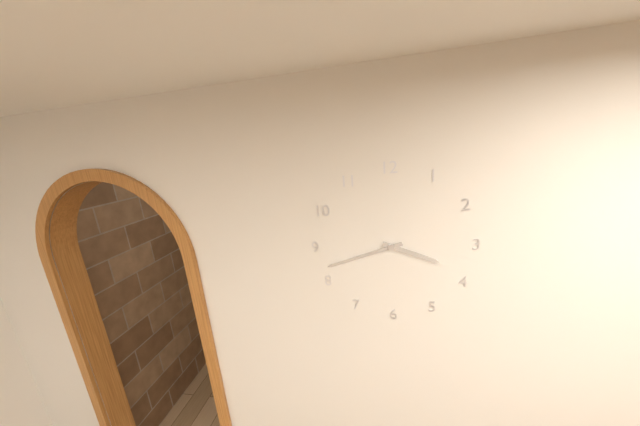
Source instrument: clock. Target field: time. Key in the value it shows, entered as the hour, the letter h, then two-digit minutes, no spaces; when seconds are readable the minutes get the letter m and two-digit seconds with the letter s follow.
3h42
